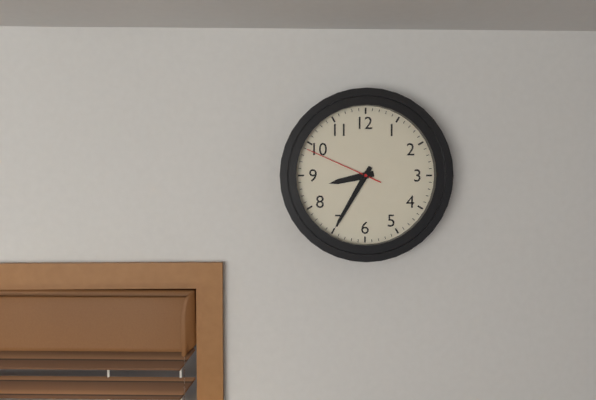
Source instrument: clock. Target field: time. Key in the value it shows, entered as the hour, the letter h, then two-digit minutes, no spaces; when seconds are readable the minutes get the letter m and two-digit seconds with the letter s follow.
8h35m49s
